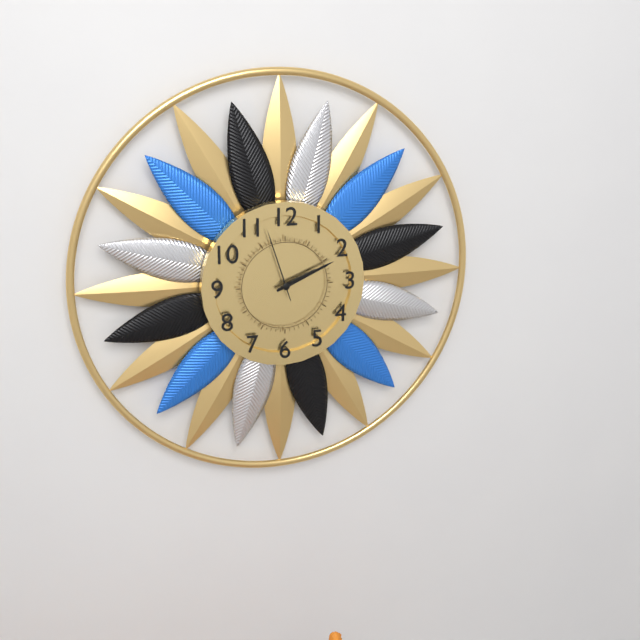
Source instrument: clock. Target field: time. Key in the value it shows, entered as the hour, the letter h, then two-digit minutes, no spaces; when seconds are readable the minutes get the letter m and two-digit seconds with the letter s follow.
2h11m57s
